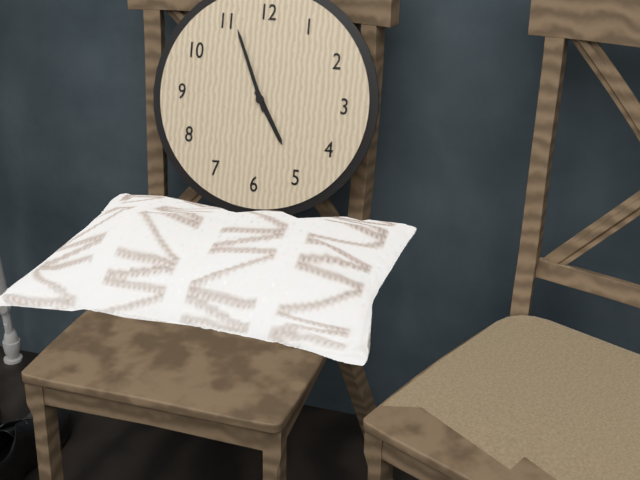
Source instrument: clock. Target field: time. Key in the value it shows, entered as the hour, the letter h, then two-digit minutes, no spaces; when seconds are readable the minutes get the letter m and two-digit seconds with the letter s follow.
4h56
